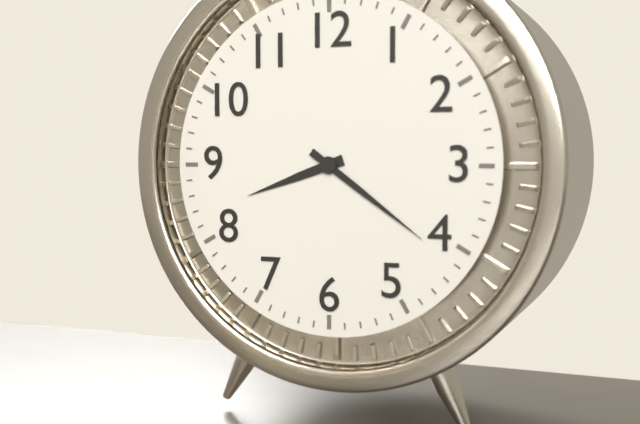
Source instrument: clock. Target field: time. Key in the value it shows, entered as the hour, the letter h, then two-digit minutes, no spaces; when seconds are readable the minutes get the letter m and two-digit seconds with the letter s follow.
8h21
